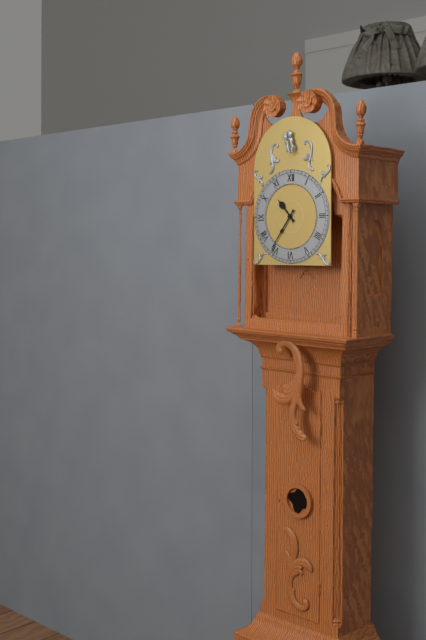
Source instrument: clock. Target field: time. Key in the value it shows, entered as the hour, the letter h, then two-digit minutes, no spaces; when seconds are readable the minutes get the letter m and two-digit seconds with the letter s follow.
10h36
